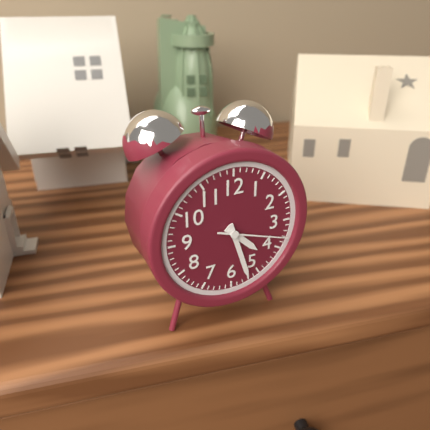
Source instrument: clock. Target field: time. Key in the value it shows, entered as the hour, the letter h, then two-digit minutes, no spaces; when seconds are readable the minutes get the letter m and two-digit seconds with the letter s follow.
4h27m18s
